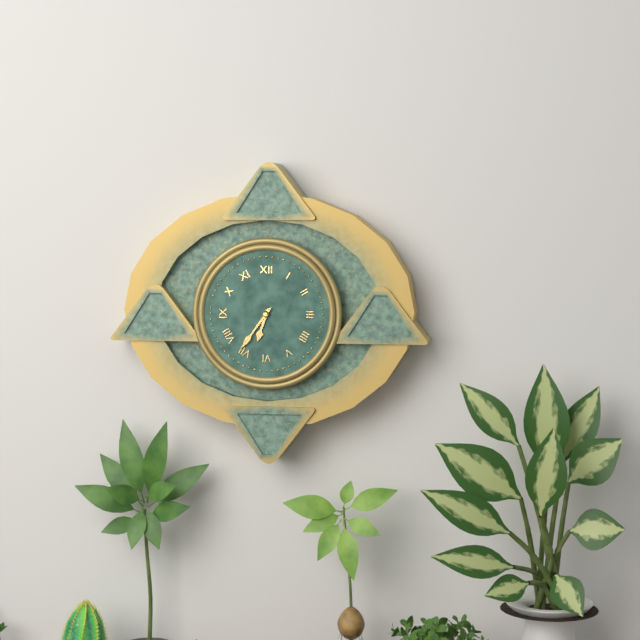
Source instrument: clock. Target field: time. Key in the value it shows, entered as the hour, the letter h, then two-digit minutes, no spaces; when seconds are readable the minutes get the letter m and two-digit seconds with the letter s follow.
6h36
